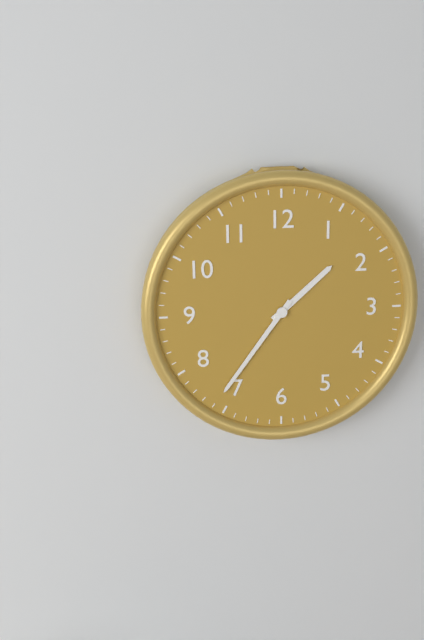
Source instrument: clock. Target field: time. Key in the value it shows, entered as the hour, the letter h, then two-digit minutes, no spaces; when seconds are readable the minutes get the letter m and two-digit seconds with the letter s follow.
1h36
